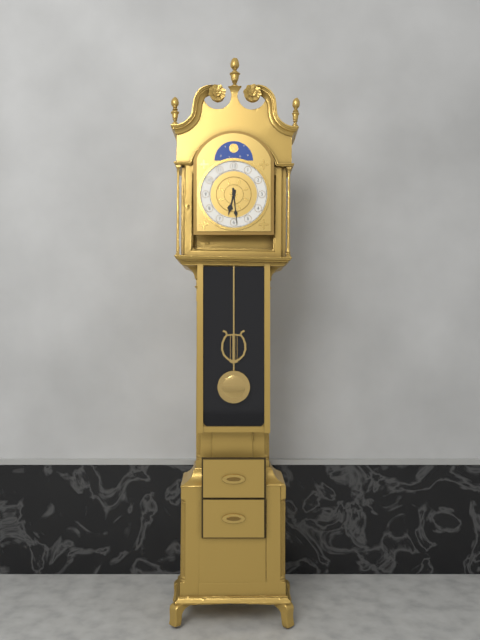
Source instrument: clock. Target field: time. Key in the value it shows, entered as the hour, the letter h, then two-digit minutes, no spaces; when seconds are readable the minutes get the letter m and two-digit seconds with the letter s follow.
6h29
